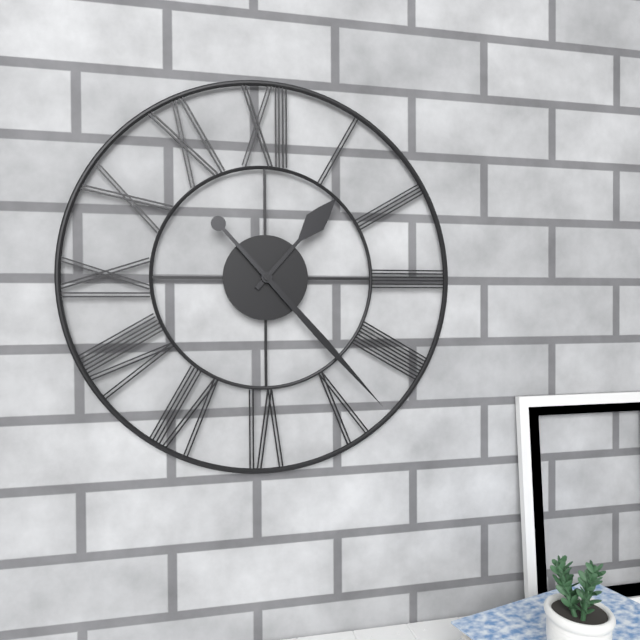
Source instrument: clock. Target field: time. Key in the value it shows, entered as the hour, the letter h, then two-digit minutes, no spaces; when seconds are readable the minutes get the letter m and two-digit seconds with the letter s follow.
1h23
